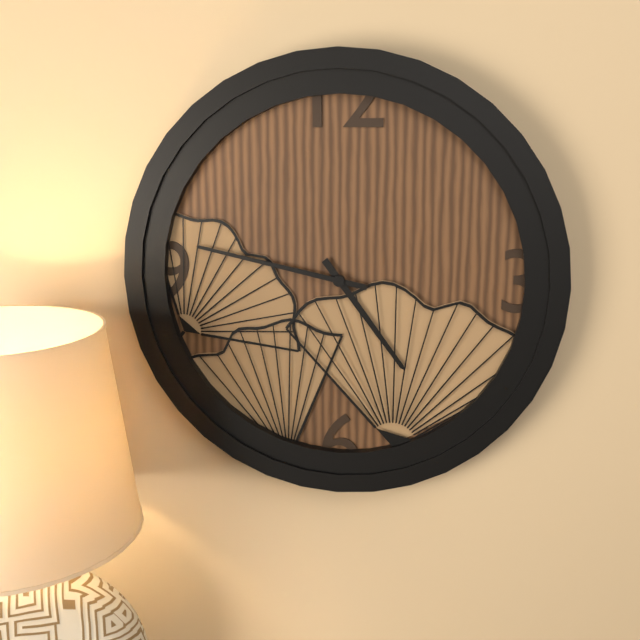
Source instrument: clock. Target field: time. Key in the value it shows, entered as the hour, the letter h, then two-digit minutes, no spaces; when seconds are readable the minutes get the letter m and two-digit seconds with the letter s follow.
4h47
